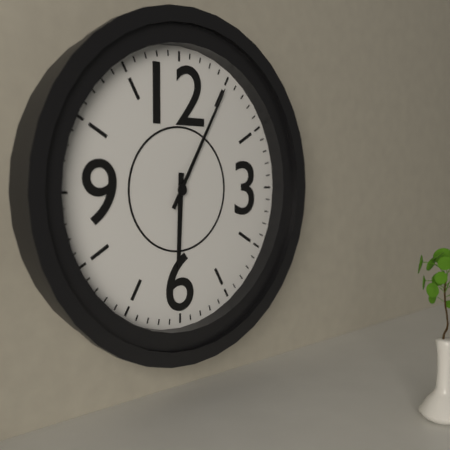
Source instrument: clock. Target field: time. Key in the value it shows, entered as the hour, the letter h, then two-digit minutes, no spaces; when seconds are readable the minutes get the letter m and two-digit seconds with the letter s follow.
6h05
